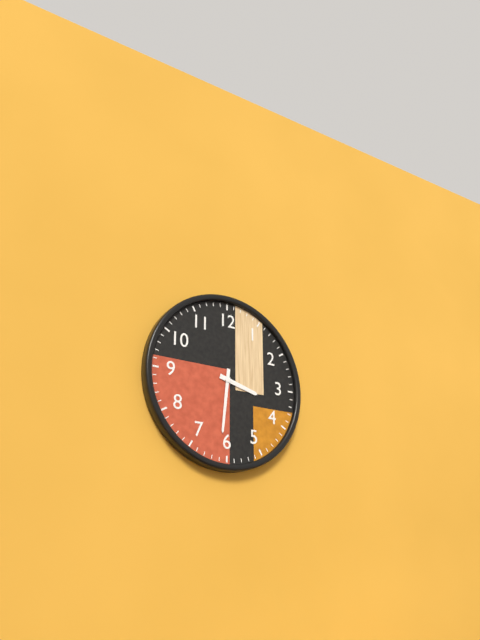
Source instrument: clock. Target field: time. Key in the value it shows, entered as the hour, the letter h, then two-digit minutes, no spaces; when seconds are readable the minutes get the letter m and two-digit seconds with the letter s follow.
3h31
